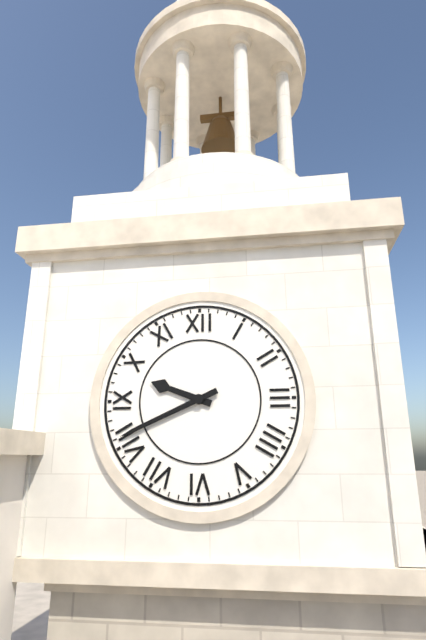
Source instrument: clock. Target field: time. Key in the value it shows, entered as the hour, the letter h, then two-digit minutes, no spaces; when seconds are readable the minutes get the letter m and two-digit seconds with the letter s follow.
9h41
